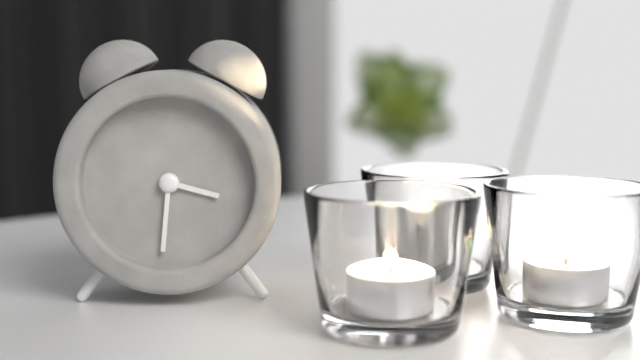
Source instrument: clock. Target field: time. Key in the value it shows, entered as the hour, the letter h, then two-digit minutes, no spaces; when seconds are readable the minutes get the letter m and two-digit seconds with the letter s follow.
3h31
